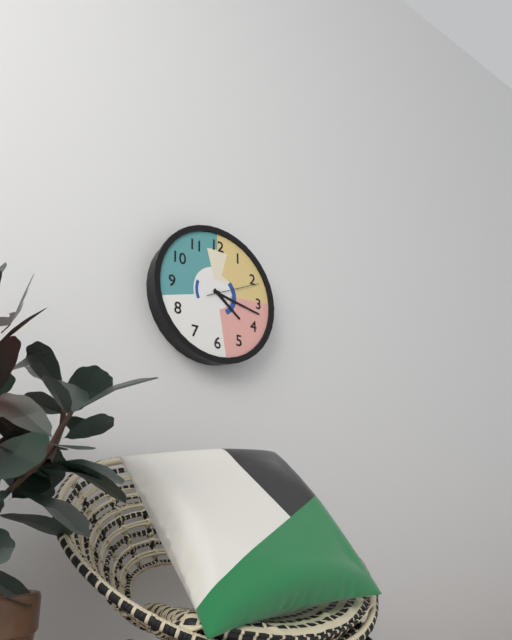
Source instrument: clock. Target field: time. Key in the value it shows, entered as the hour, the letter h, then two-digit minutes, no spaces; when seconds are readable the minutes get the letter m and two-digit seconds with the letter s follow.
4h17m11s
